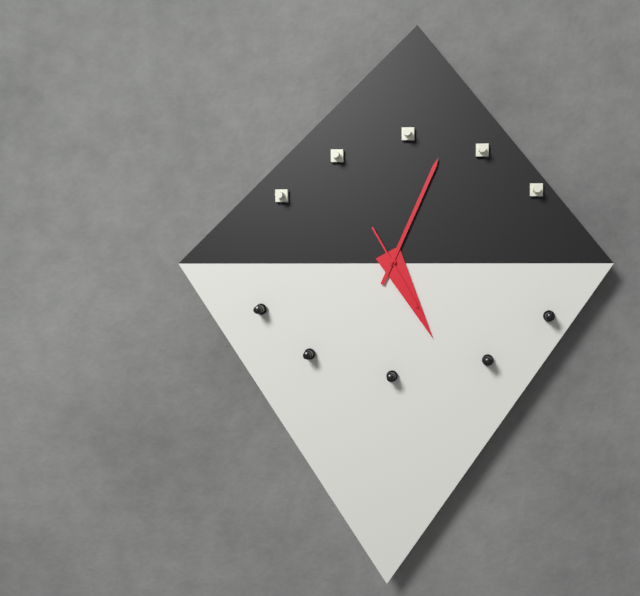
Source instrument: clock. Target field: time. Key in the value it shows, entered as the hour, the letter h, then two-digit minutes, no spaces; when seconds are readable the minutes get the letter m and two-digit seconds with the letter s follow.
5h04m25s
